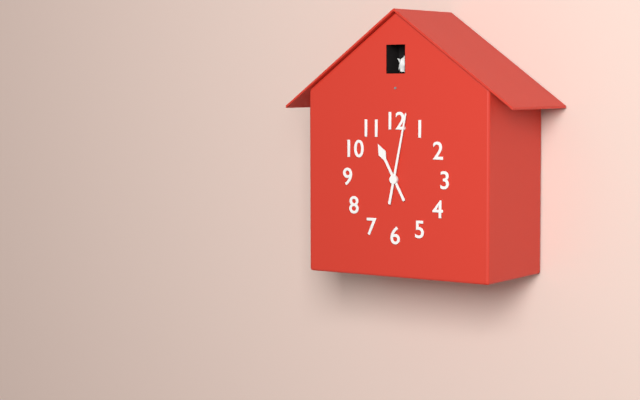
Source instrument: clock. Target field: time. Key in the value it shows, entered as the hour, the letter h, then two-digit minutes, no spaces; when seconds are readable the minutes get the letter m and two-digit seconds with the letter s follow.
11h02
